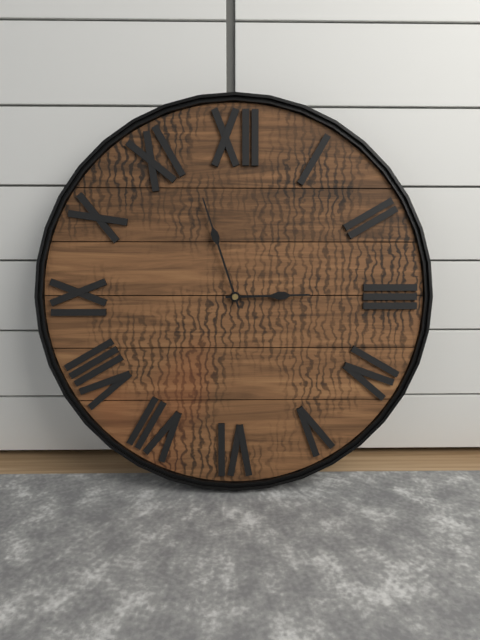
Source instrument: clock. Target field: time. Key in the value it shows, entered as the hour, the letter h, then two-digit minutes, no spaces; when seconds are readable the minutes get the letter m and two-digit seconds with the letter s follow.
2h57
